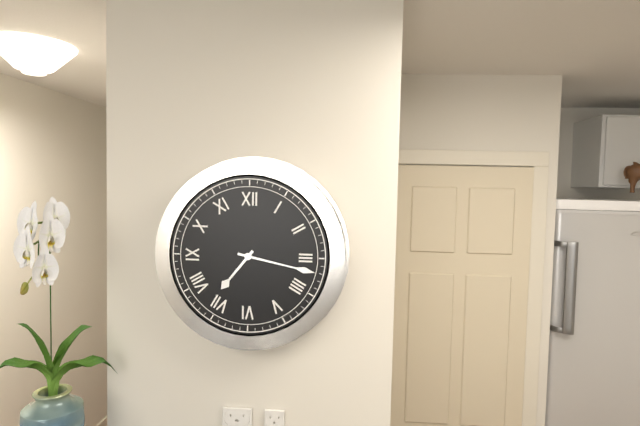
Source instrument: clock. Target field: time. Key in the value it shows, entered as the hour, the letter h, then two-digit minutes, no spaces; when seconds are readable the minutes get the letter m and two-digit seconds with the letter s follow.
7h17
